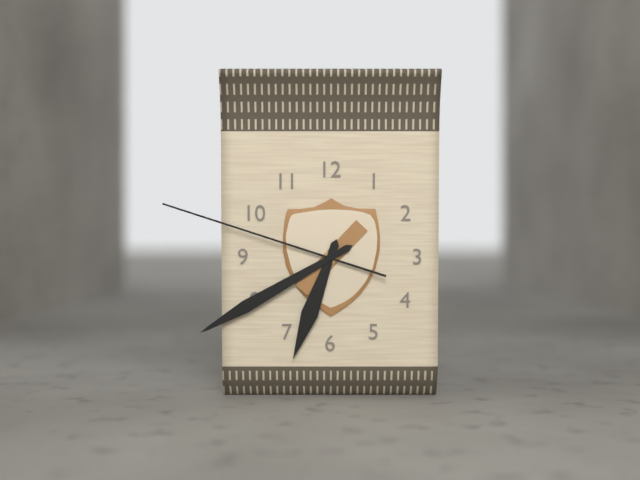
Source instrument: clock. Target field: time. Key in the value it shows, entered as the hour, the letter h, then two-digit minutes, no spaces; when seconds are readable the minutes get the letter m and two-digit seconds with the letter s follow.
6h40m48s
